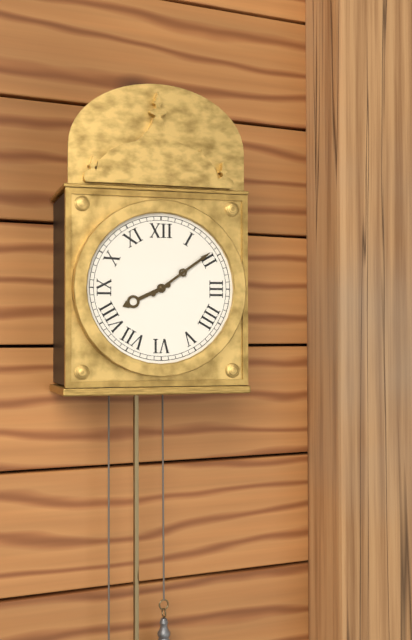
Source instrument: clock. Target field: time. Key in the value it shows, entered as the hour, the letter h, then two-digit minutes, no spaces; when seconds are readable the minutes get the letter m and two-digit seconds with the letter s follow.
8h09
